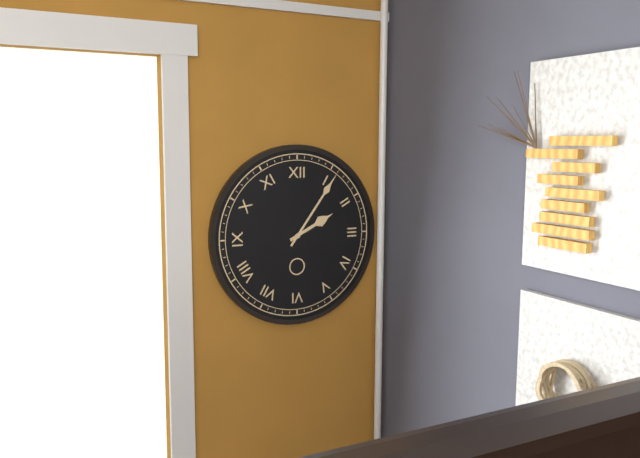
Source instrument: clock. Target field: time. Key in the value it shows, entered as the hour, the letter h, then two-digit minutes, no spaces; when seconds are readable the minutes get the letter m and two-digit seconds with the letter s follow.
2h06
